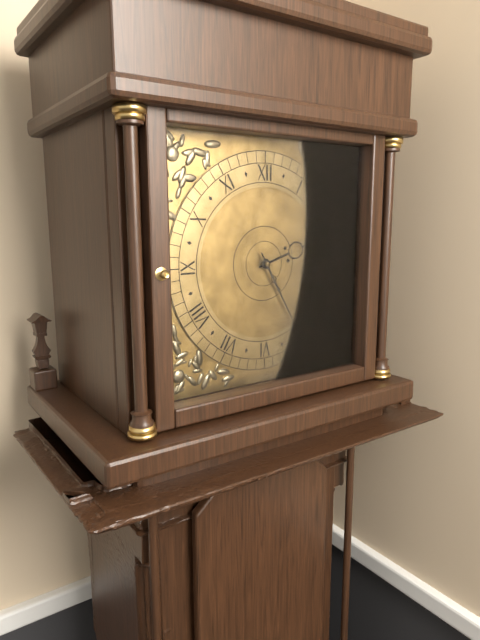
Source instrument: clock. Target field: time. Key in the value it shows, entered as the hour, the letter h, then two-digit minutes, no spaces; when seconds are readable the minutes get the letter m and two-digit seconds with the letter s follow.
2h25
